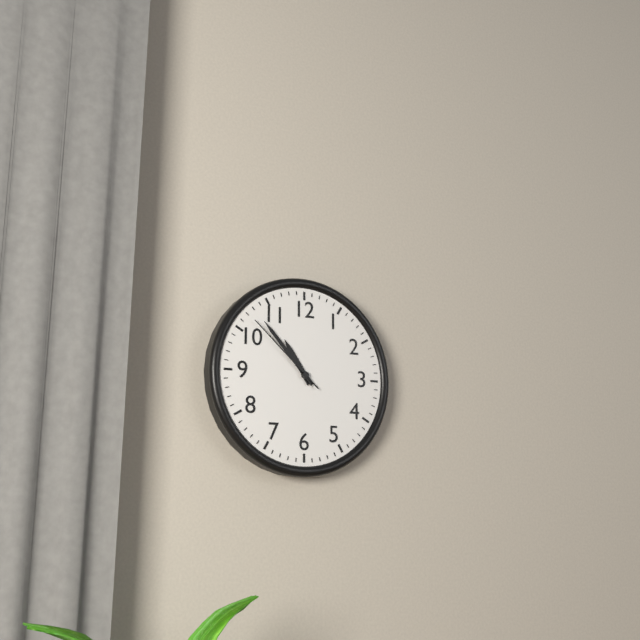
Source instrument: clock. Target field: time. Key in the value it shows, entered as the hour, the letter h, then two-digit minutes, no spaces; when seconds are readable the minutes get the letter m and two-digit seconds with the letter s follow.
10h53m52s
